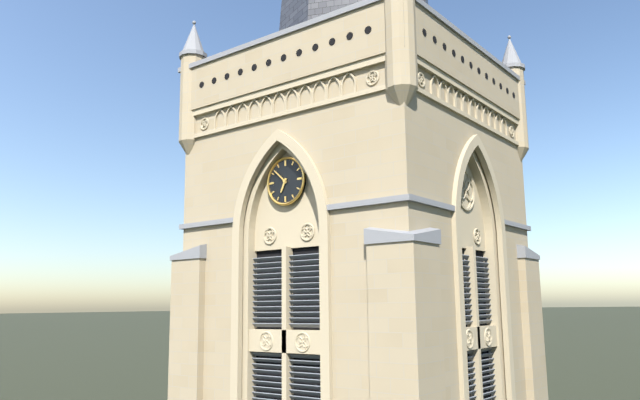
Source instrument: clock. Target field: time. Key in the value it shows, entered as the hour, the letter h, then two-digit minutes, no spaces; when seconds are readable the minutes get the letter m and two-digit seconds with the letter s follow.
6h52
